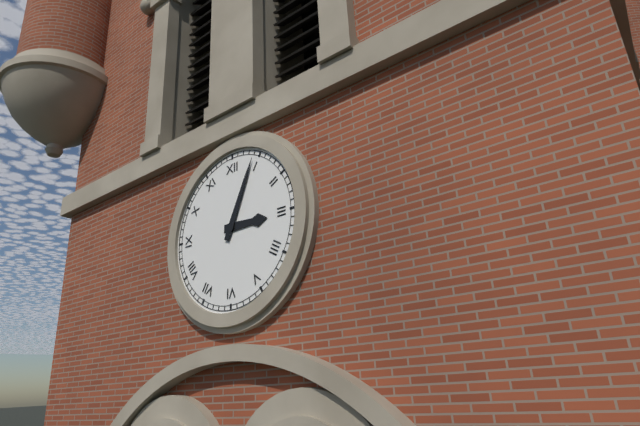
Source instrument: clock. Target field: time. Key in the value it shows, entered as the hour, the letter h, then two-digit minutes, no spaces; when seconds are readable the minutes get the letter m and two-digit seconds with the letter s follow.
3h04
